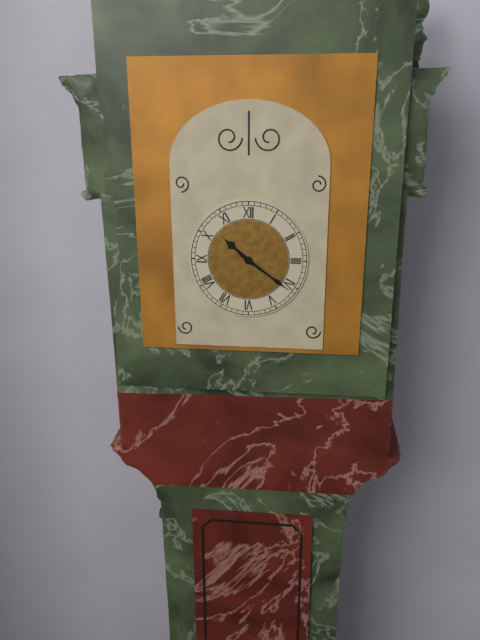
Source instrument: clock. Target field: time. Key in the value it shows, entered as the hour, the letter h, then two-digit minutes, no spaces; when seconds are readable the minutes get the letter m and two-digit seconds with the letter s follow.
10h21
